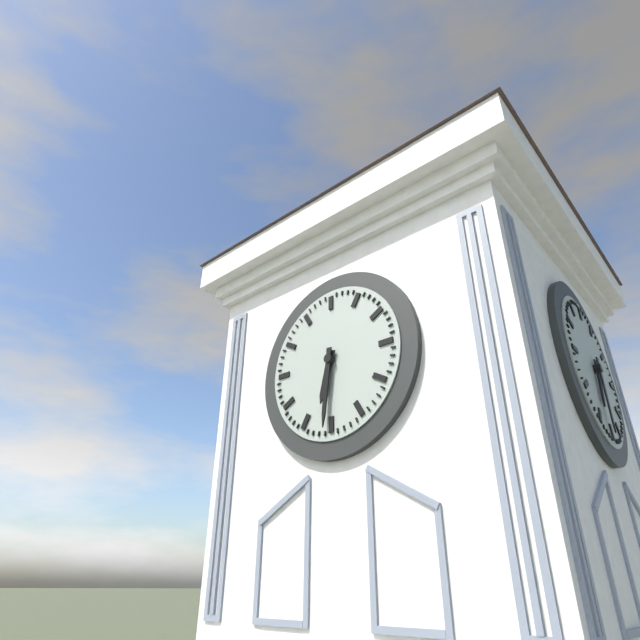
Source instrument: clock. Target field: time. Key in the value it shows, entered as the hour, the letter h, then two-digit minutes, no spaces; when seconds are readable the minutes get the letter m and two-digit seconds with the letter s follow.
6h31
